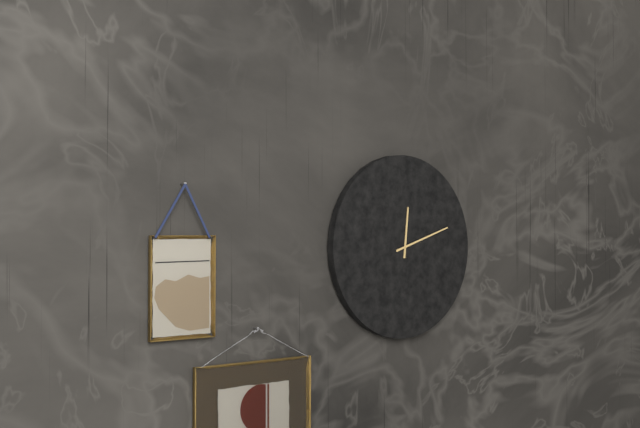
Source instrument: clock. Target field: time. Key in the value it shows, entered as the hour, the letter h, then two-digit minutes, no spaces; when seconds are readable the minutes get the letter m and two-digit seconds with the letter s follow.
12h12
